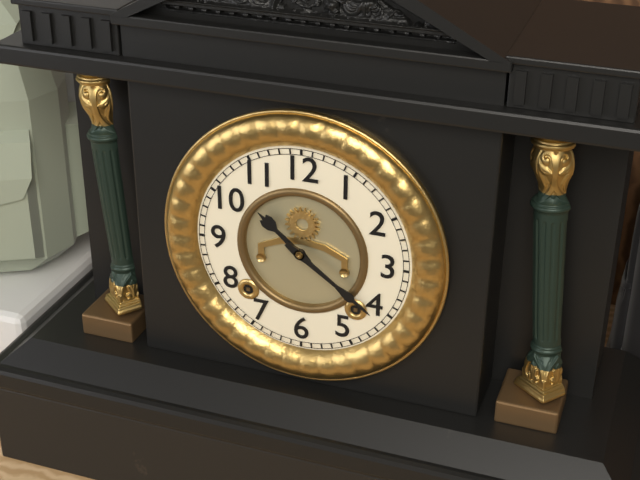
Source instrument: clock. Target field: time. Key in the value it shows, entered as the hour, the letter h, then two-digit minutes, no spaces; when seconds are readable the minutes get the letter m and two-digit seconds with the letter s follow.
10h21
